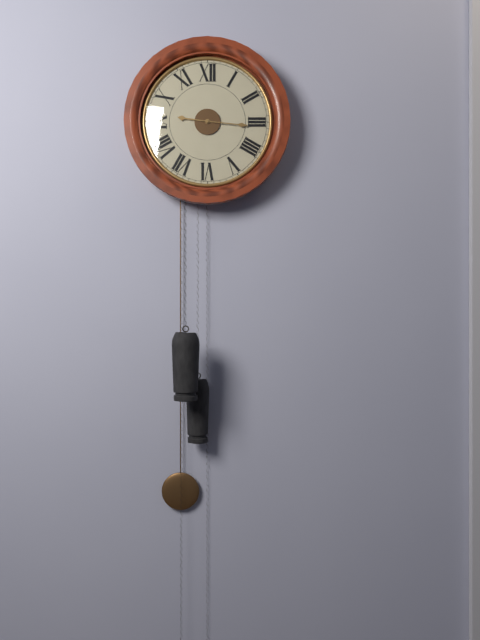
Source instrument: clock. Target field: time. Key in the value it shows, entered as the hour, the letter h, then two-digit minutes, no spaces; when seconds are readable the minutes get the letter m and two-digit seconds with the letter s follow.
9h16
